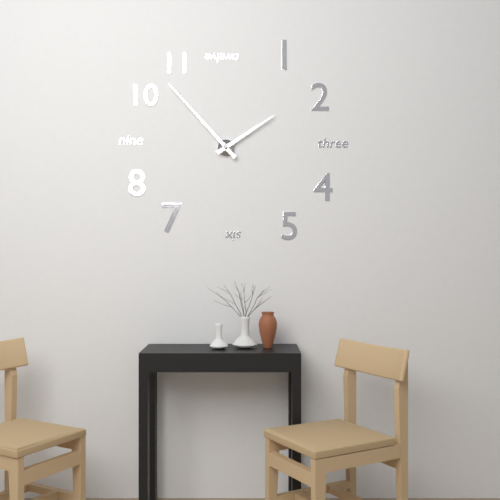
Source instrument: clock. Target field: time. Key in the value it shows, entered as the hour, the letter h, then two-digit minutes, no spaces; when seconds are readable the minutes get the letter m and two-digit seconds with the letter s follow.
1h53
